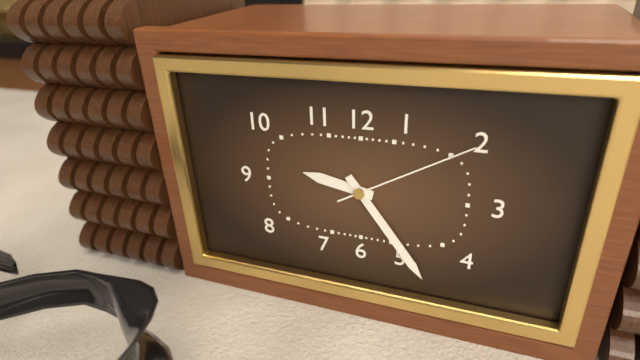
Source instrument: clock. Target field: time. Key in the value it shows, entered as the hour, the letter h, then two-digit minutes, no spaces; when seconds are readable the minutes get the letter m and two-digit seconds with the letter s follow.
9h24m10s
